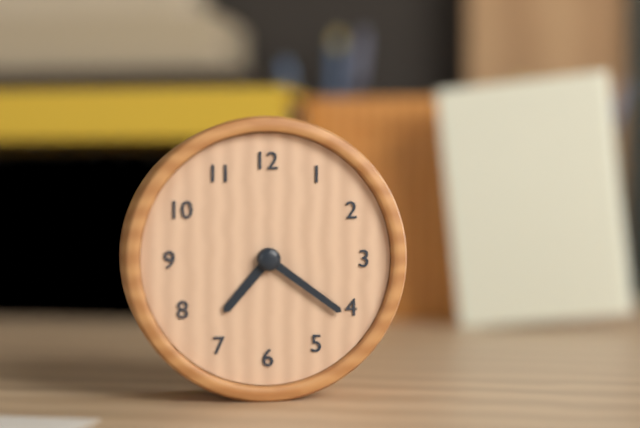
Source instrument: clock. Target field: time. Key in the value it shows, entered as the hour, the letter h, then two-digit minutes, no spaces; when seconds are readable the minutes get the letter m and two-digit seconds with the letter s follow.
7h21
